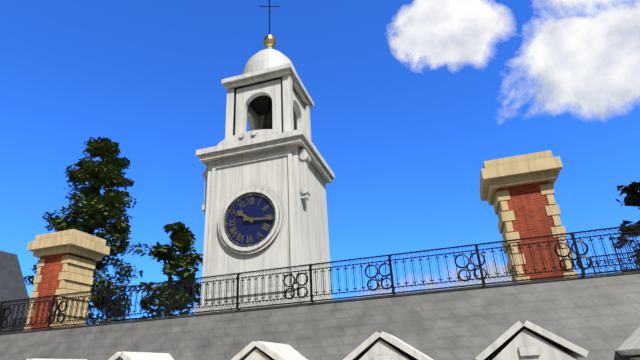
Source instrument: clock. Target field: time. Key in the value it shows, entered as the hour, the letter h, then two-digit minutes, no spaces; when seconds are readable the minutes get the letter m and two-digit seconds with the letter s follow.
10h16
